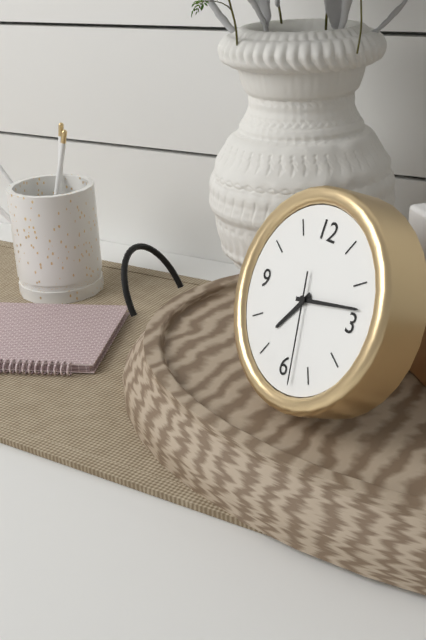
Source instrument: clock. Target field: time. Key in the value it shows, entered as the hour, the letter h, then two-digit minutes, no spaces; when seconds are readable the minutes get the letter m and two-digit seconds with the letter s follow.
7h13m28s
